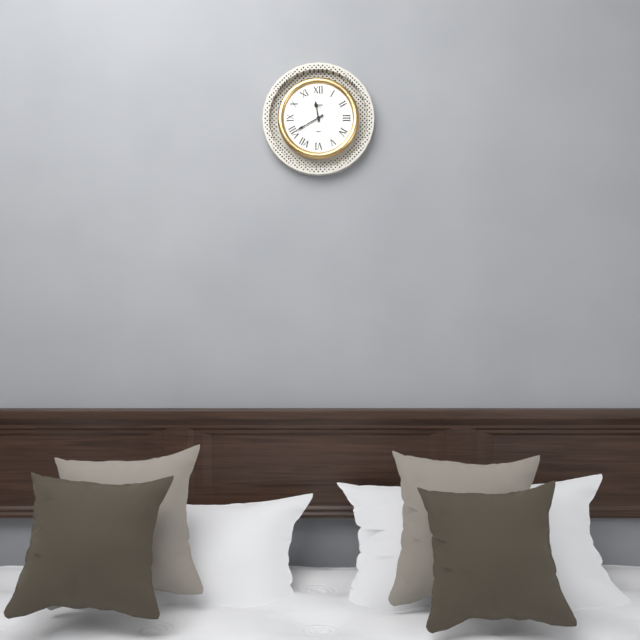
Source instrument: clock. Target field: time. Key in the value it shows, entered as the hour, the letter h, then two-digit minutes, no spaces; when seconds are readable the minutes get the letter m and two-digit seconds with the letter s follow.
11h40
